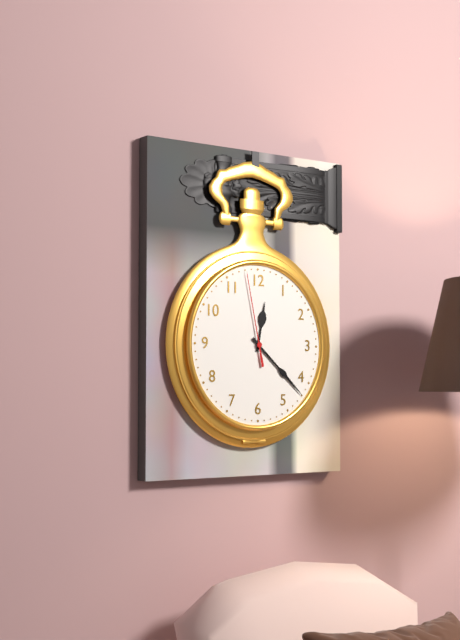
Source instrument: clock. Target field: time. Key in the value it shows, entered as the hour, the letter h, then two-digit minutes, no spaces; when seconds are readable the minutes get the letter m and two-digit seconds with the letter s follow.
12h22m58s
